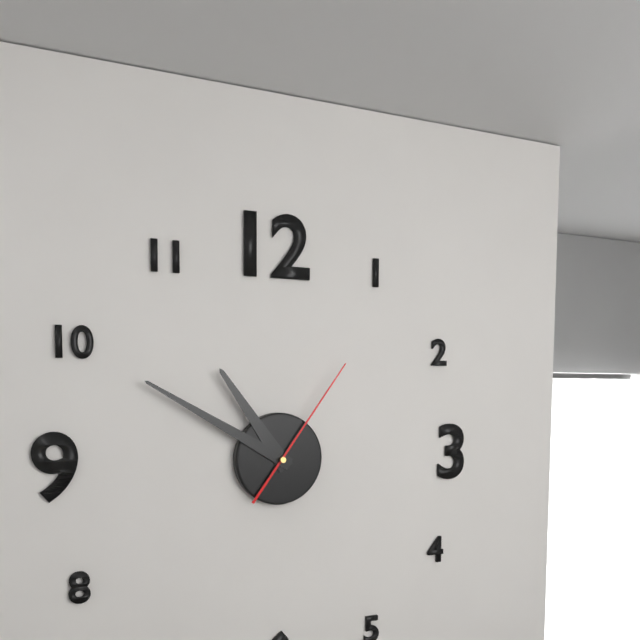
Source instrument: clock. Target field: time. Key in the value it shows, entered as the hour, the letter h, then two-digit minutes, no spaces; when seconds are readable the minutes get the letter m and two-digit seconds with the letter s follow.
10h50m06s
